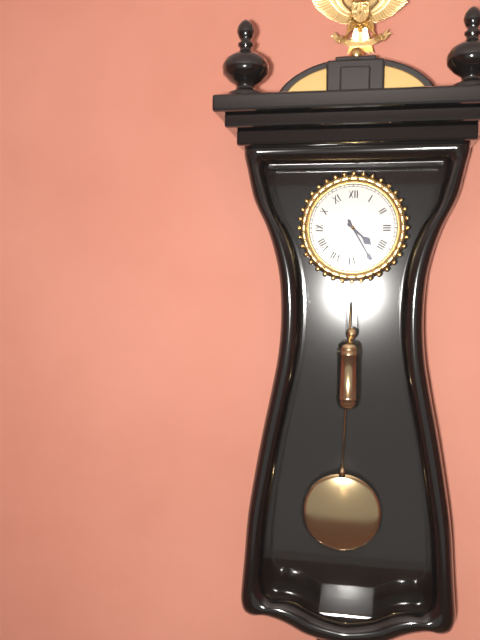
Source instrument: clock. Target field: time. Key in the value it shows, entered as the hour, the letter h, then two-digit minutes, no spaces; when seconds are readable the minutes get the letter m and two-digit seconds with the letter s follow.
4h25
